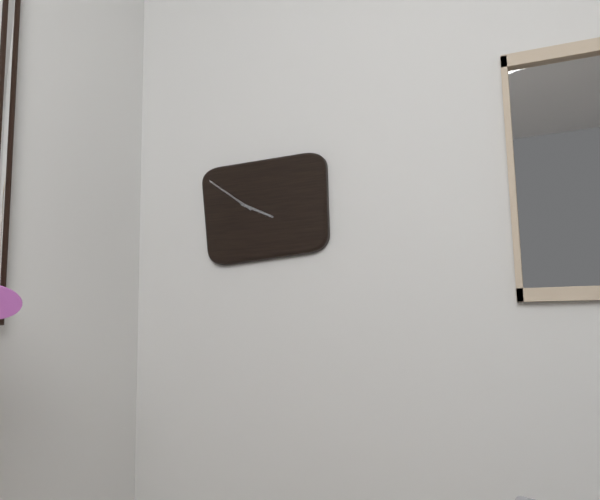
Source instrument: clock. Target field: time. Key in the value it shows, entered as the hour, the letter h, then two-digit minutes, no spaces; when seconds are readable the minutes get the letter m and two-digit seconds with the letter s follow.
3h51
